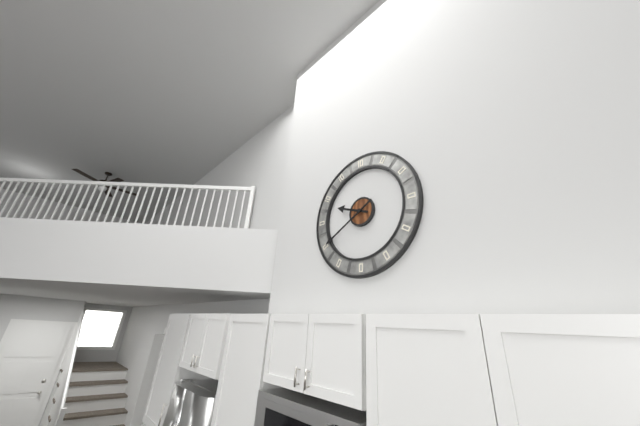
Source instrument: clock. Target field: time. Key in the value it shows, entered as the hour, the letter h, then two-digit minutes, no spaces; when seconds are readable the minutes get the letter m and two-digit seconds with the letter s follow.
9h40
